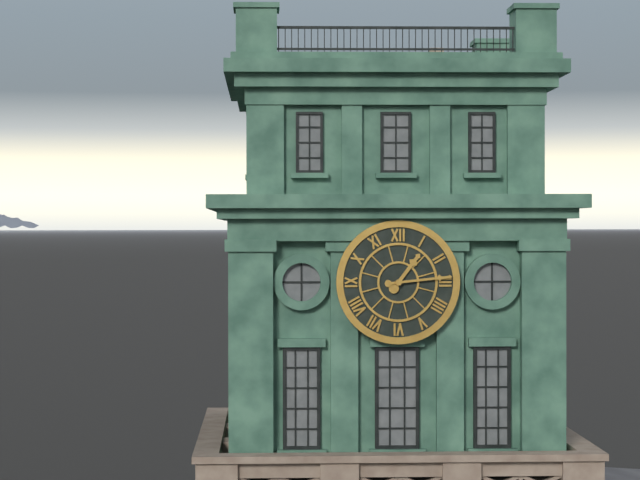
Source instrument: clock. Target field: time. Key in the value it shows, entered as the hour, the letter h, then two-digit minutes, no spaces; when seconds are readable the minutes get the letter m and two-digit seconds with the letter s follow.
1h14
